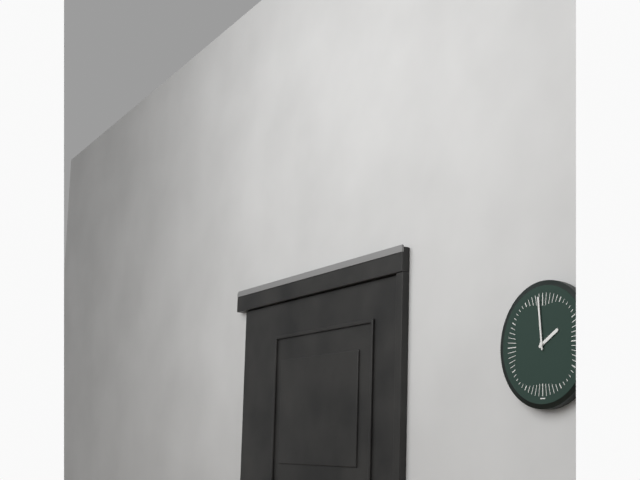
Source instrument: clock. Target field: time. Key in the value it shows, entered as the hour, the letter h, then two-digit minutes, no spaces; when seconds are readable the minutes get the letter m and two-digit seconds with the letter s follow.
1h59
